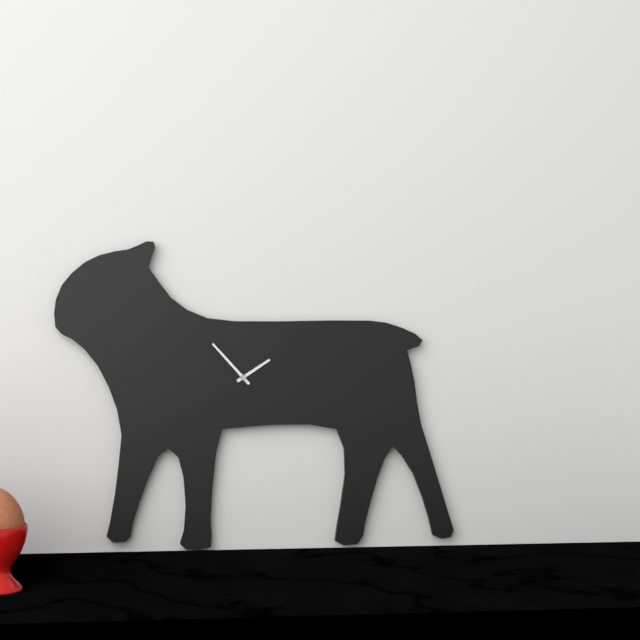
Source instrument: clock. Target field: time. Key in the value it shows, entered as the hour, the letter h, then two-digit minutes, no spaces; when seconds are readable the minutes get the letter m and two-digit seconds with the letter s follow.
1h53
